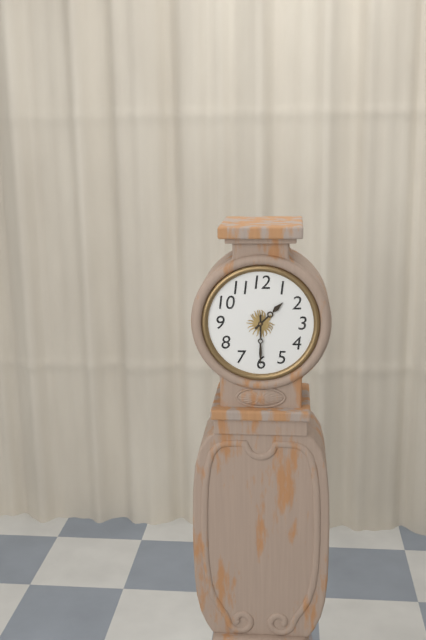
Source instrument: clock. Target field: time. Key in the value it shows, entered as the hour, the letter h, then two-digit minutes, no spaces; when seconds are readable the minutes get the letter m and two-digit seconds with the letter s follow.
1h30
